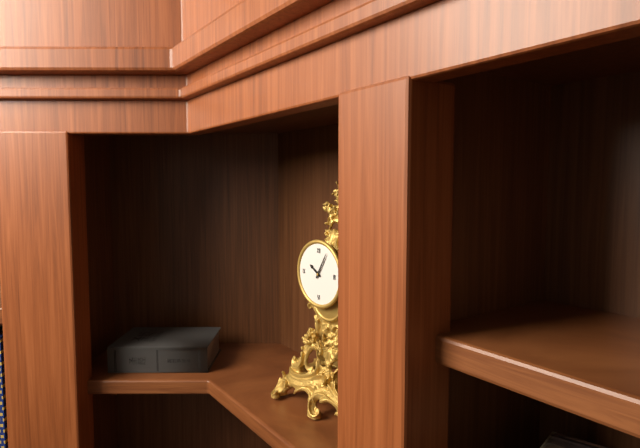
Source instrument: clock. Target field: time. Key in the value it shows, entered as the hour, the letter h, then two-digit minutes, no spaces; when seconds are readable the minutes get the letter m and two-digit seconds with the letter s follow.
10h05
